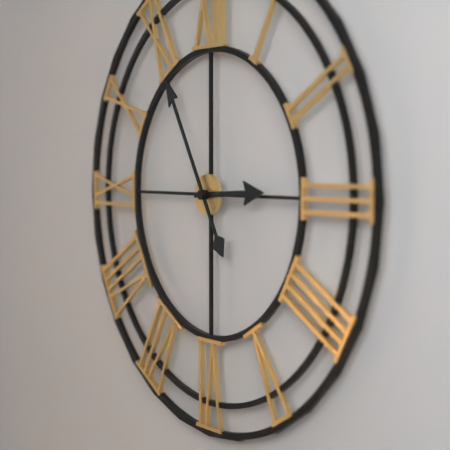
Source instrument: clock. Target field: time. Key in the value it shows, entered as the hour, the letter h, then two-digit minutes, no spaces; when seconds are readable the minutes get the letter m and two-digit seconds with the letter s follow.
2h55
